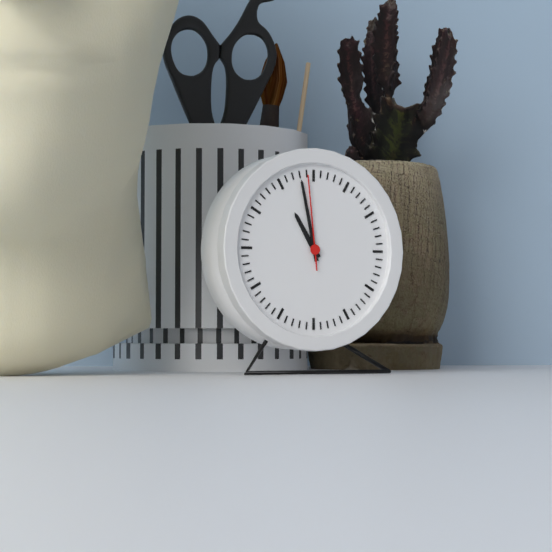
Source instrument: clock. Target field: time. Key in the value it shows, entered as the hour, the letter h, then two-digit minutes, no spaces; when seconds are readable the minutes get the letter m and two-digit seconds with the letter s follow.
10h58m59s
